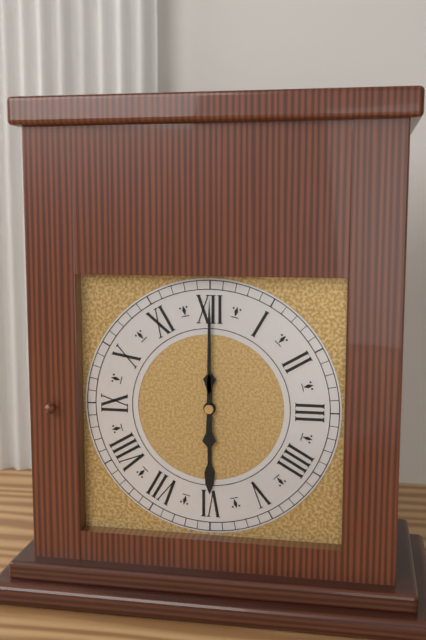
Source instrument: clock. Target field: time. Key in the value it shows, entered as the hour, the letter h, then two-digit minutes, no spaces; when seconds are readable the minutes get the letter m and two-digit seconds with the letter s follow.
6h00
